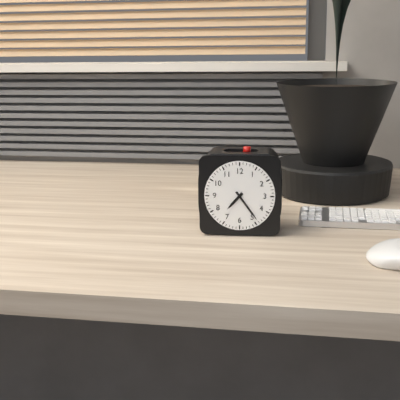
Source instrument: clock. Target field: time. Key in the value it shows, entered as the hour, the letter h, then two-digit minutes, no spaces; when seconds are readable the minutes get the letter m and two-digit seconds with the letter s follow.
7h24
